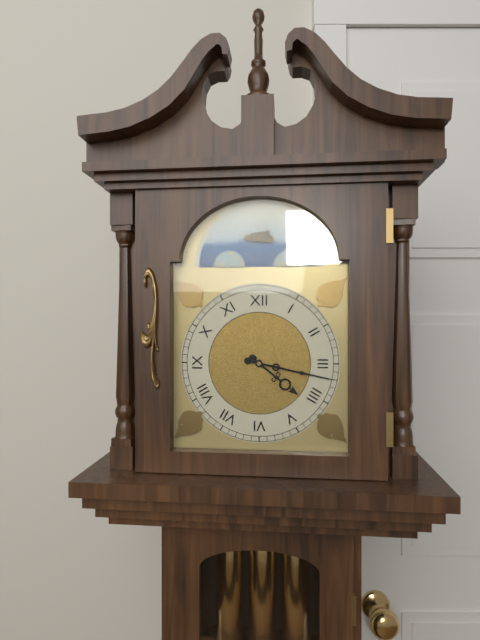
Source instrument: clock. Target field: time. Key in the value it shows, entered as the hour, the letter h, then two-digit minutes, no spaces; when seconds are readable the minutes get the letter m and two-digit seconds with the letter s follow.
4h17
